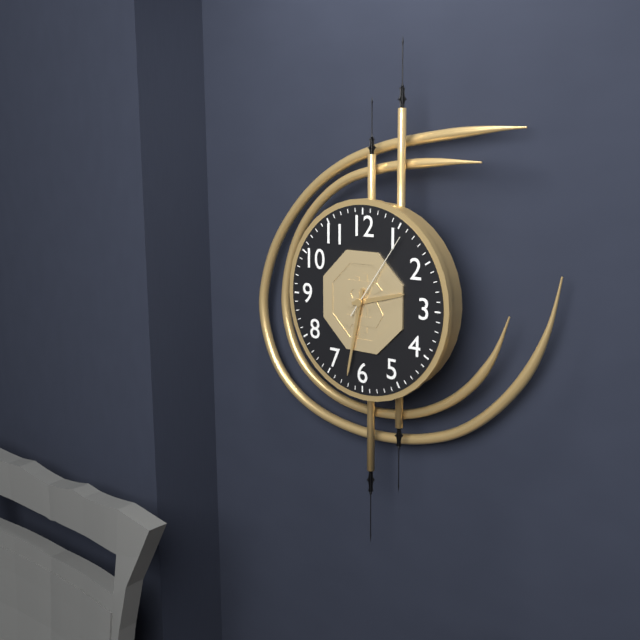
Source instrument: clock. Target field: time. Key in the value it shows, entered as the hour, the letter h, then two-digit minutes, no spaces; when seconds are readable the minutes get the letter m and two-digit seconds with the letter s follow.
2h32m06s
